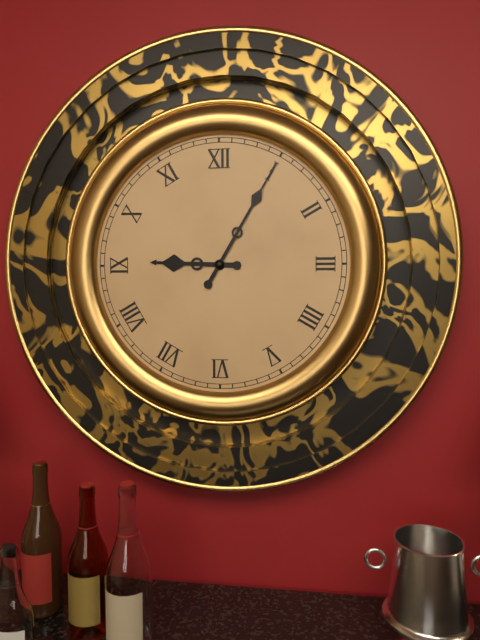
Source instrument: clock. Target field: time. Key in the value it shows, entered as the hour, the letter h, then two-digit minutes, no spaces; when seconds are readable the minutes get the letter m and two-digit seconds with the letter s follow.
9h05
